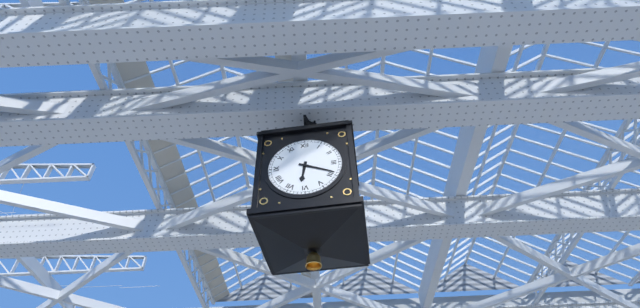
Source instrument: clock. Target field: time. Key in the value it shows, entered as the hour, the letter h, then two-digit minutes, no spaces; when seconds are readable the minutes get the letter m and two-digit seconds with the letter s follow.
6h19
